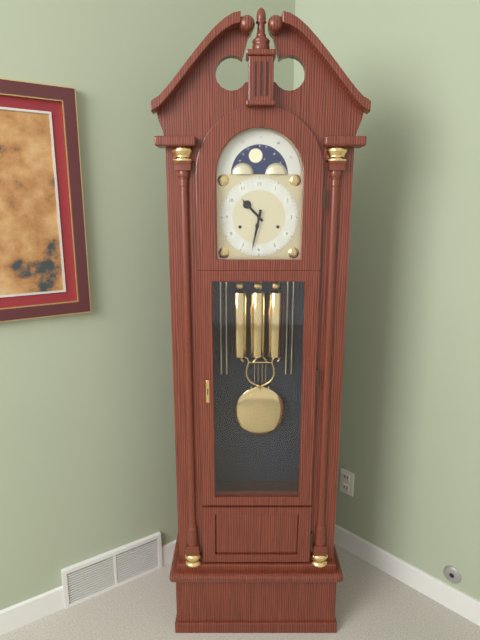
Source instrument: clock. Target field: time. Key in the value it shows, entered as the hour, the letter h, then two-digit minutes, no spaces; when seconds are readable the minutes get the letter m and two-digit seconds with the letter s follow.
10h32
